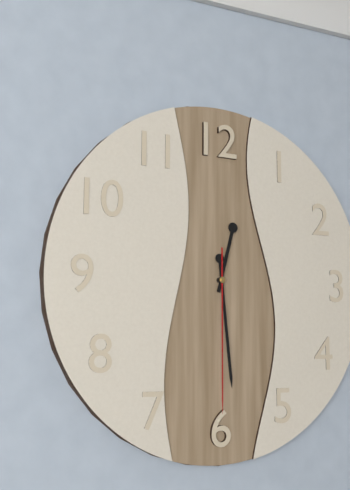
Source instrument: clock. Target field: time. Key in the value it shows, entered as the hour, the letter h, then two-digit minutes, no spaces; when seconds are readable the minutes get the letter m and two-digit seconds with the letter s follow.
12h29m30s
